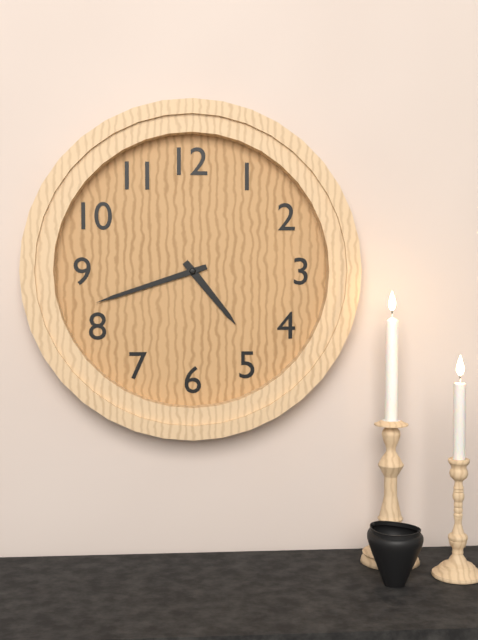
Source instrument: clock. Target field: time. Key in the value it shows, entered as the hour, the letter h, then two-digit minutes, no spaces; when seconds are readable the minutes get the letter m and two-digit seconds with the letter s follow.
4h42
